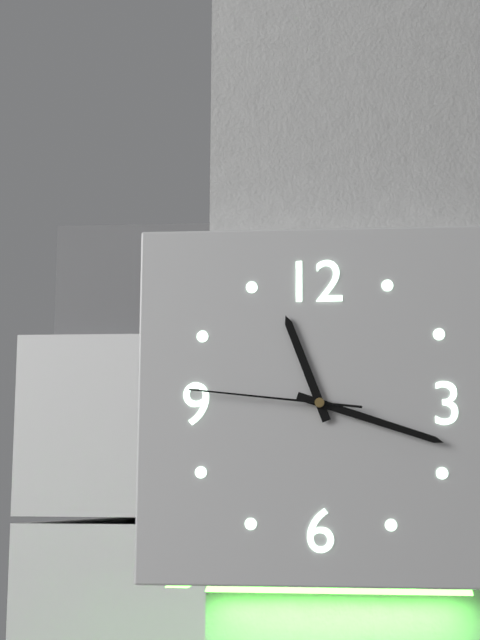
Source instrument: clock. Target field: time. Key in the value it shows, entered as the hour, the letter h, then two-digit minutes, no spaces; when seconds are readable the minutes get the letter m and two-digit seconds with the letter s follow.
11h18m46s
